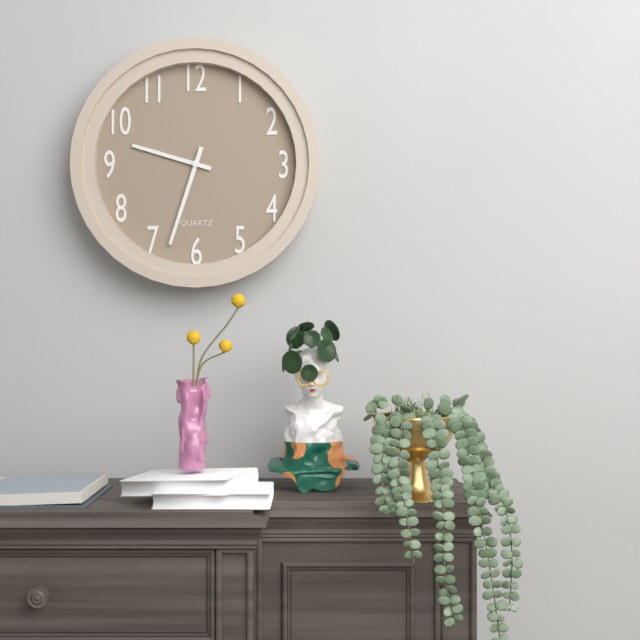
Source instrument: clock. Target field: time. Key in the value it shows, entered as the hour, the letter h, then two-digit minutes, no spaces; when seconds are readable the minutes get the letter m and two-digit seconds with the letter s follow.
9h33
